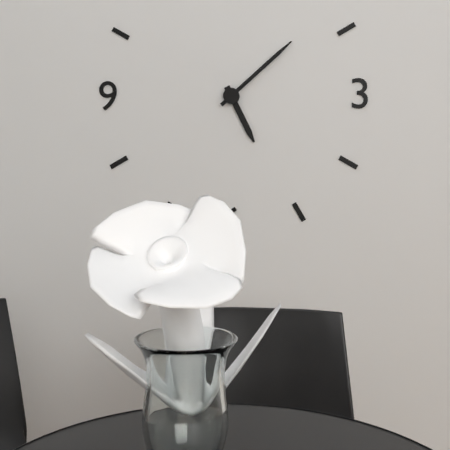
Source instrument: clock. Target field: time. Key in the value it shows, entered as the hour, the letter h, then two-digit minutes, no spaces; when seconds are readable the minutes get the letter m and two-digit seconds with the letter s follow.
5h08
